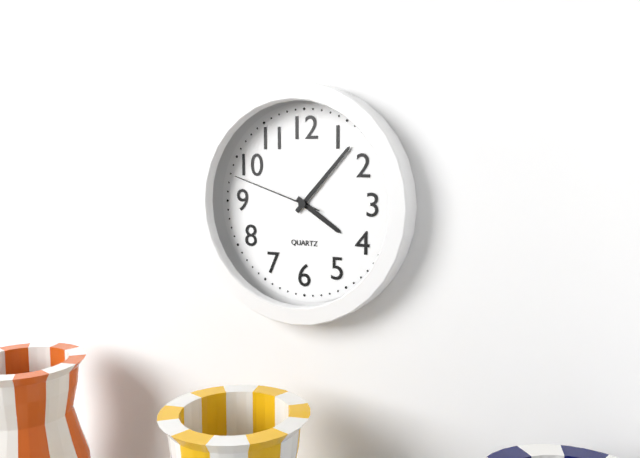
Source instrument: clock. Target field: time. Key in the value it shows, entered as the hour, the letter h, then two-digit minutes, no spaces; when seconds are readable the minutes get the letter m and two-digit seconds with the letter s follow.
4h07m48s
